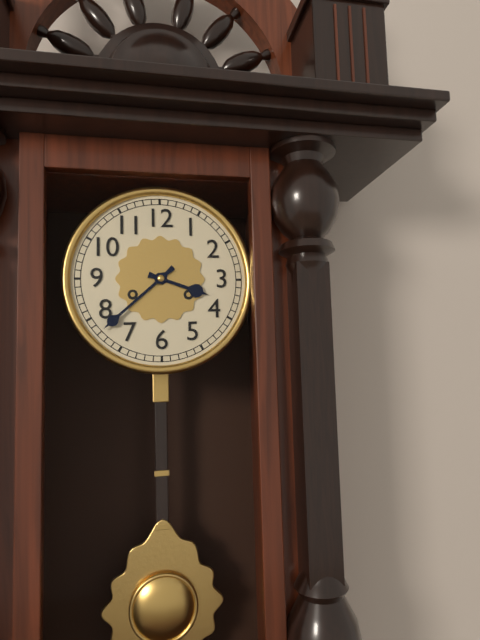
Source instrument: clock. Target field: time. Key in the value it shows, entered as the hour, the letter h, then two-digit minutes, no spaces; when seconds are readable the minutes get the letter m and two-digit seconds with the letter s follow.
3h38
